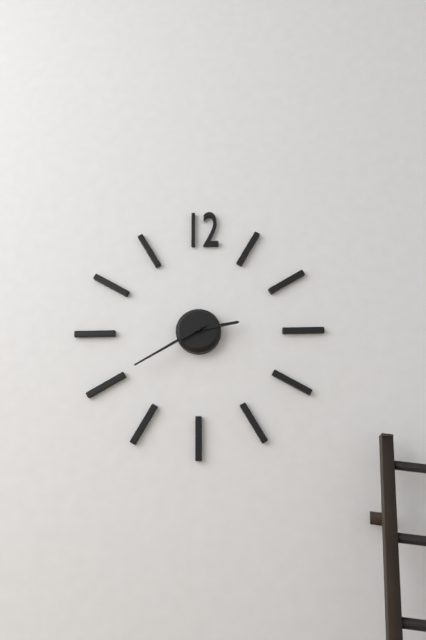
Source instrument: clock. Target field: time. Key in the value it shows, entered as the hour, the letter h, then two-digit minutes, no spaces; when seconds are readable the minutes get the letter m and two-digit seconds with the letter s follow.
2h40
